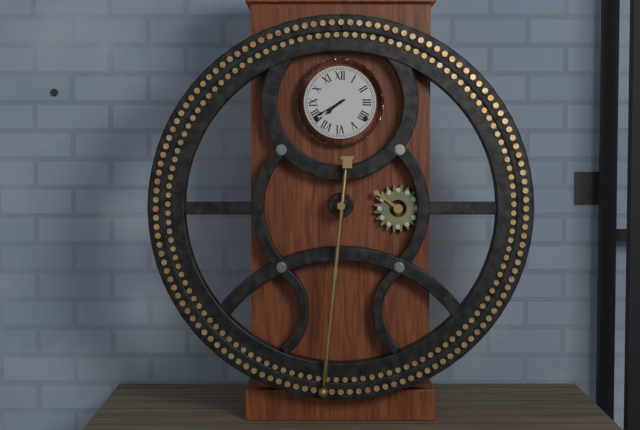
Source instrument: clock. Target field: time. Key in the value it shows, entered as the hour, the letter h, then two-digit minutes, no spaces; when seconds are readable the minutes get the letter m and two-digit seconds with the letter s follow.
7h40
